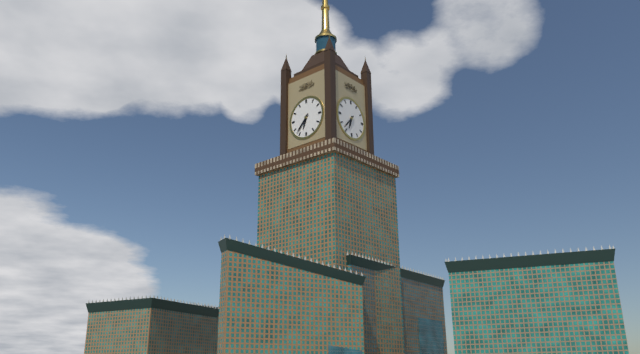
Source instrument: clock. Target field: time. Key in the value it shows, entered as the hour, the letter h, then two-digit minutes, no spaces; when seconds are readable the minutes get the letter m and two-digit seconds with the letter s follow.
6h37
